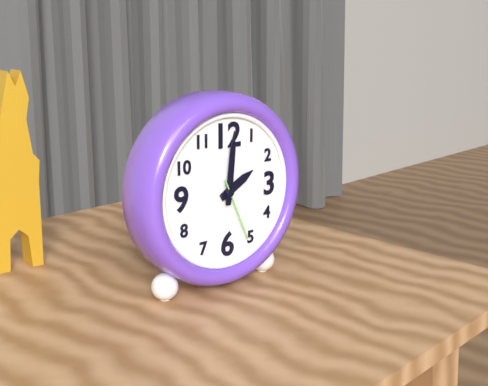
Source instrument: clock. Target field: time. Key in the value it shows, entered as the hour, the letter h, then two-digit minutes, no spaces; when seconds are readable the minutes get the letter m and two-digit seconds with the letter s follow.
2h01m26s
